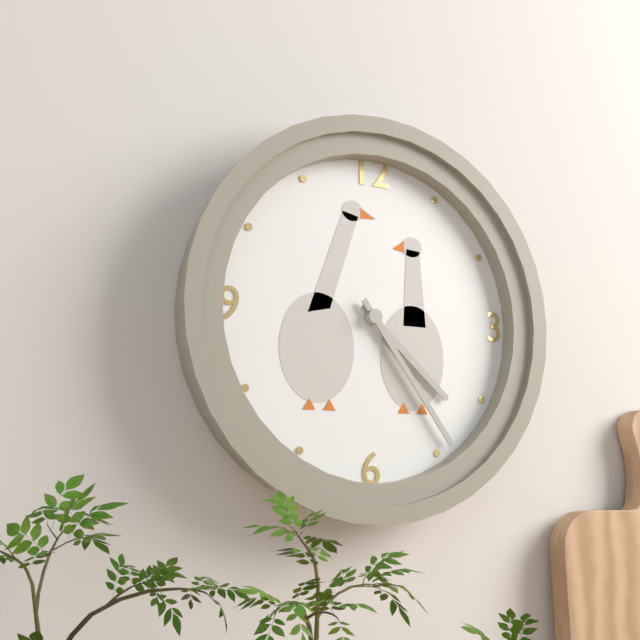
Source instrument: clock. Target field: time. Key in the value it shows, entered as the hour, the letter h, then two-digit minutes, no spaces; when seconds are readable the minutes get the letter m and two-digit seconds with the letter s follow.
4h24
